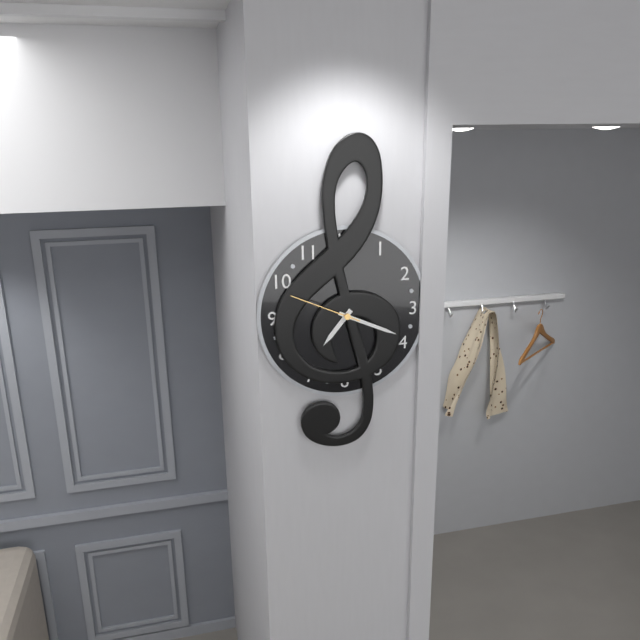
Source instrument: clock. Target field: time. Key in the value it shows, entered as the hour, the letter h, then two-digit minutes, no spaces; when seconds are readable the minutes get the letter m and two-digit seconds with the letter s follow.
7h19m49s
